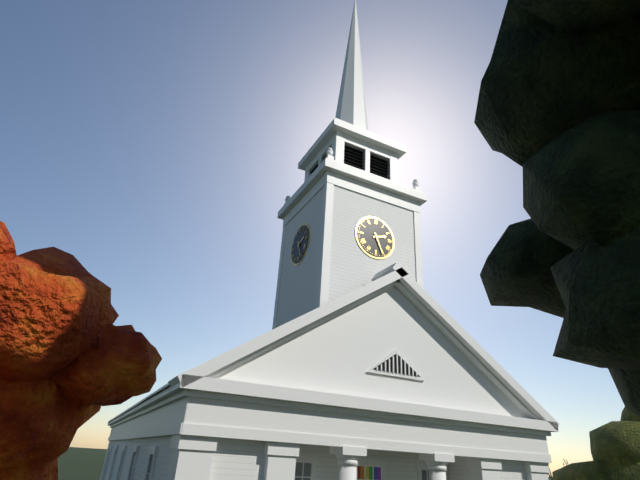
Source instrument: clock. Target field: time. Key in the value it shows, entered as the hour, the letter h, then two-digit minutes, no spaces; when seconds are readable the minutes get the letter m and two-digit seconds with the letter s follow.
2h26
